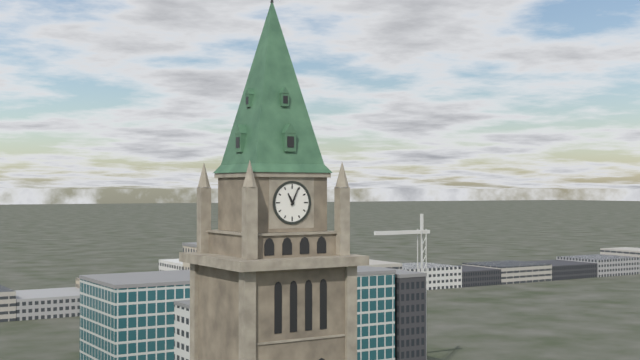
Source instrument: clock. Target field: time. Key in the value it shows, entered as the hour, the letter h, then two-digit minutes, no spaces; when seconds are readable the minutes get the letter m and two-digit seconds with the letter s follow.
11h04
